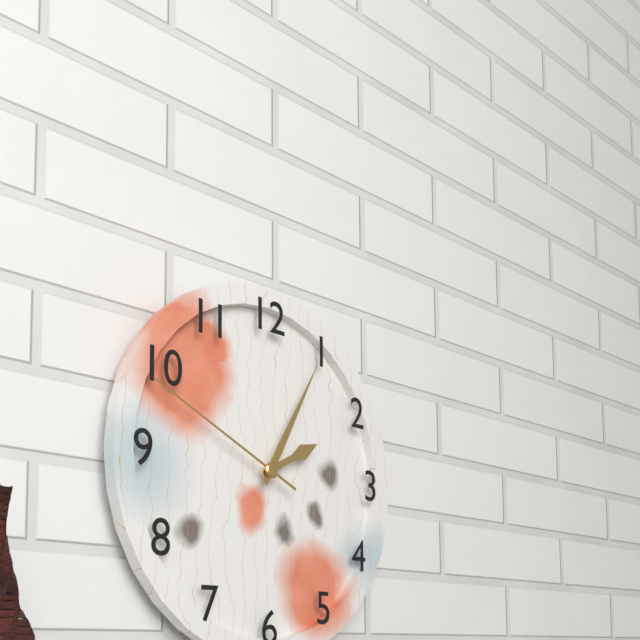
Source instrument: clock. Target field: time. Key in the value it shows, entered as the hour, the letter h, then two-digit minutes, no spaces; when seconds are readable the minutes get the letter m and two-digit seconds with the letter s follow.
2h05m49s
